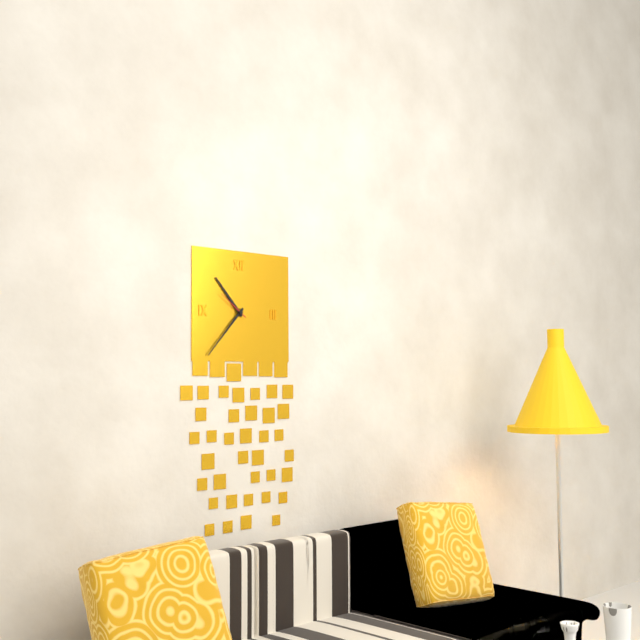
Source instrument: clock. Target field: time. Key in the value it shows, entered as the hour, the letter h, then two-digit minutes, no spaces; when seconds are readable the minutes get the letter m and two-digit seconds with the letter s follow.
10h37
